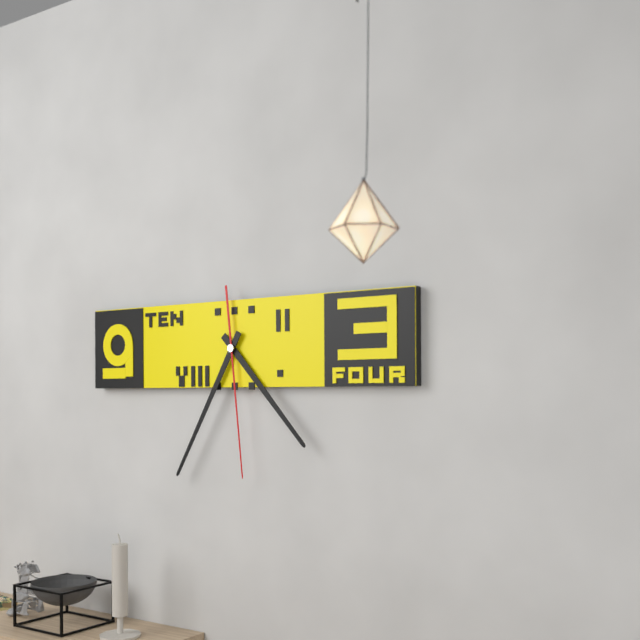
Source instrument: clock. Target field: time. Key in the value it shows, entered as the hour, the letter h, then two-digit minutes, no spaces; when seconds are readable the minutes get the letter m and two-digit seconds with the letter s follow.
4h35m29s
